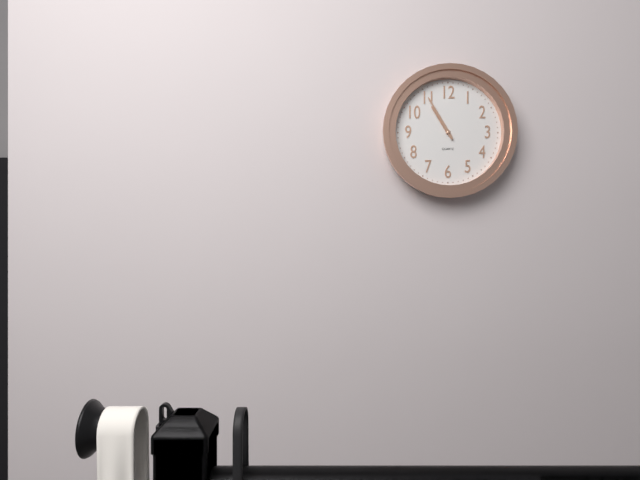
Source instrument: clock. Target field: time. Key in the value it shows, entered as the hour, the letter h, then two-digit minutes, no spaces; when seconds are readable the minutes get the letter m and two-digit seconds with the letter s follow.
10h55
